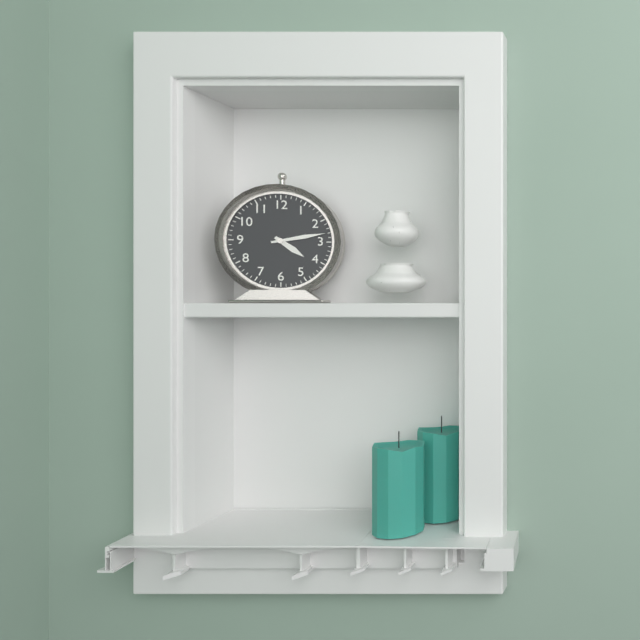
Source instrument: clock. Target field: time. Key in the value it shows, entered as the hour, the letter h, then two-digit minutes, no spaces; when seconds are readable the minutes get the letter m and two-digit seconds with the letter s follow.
4h13
